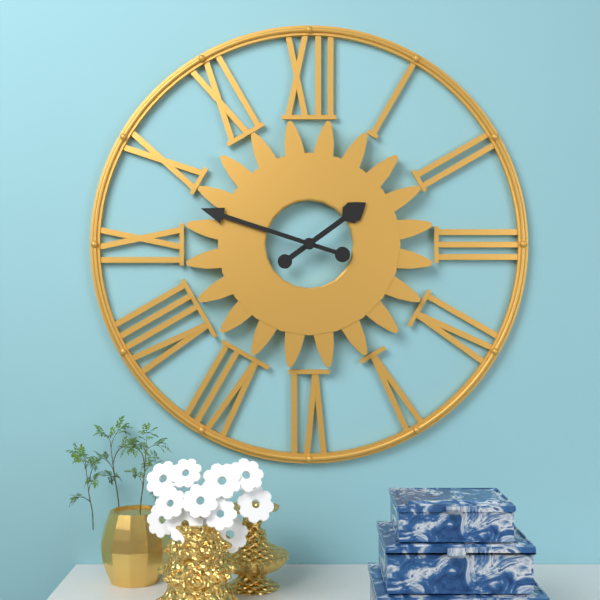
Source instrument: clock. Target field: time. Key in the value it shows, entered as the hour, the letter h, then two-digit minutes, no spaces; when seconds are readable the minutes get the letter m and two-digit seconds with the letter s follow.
1h48
